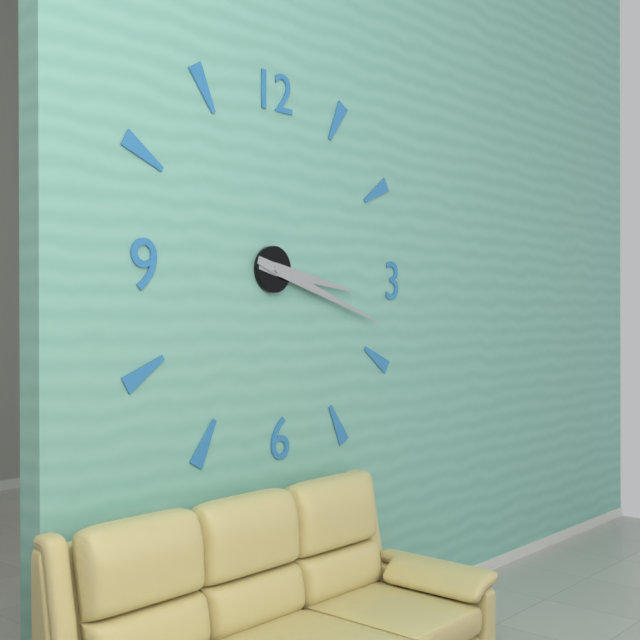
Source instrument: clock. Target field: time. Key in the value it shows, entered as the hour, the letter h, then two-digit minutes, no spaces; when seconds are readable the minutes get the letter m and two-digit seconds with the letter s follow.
3h18
